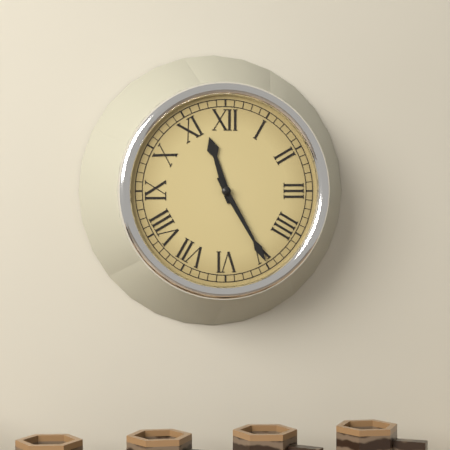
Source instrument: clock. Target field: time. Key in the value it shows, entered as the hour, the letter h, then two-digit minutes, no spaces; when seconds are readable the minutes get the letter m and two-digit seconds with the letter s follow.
11h25
